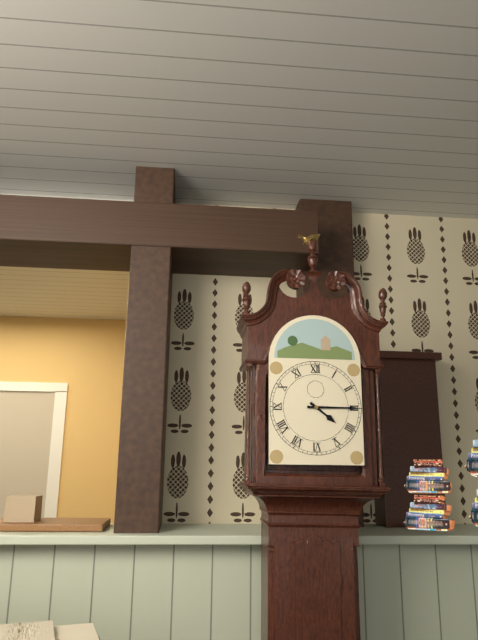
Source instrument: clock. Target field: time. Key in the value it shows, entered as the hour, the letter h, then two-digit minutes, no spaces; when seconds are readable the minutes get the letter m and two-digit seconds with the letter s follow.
4h15
